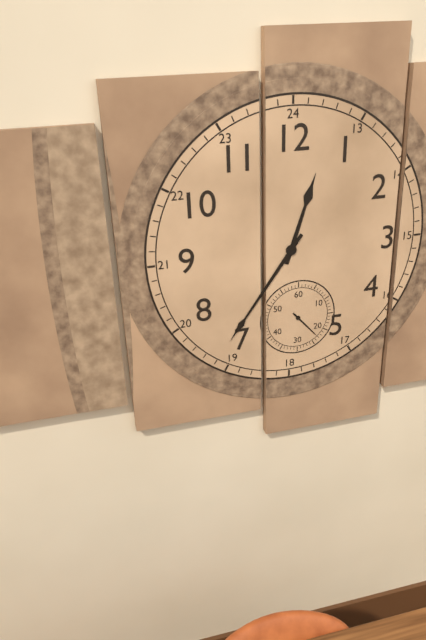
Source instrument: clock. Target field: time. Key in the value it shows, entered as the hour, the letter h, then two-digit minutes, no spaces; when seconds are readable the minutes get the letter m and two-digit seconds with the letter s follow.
12h36
